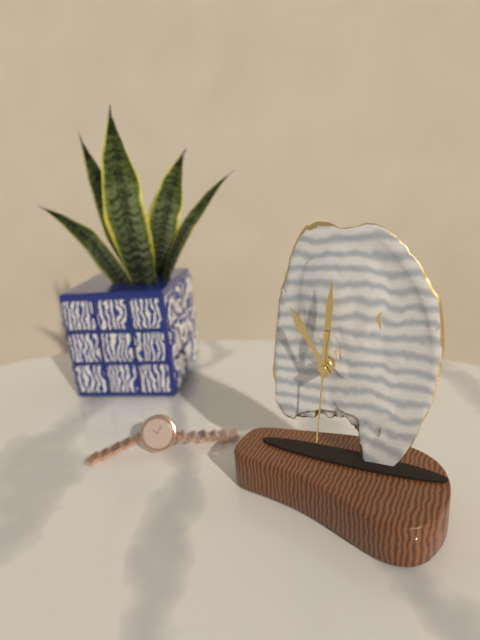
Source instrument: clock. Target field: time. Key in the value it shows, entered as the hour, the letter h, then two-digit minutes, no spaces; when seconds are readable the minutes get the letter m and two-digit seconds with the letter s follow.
11h01m31s
